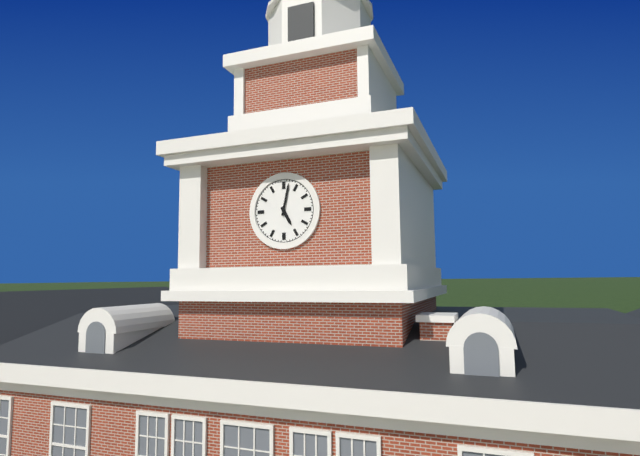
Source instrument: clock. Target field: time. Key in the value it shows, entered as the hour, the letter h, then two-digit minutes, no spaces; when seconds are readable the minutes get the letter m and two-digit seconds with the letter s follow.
5h02
